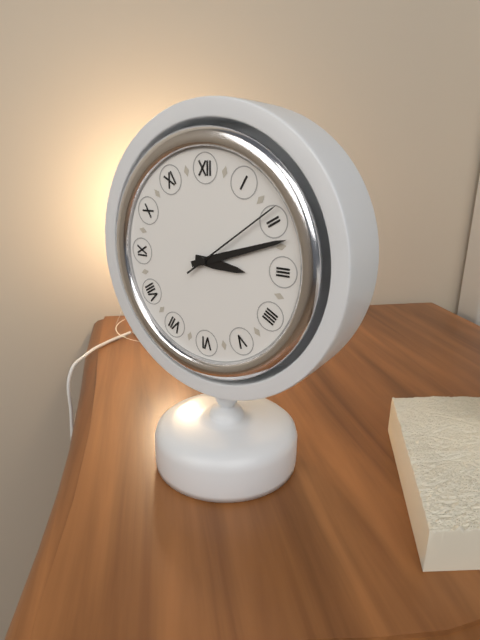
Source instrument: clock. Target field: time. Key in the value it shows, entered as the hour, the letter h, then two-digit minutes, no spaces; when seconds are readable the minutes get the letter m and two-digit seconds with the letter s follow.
3h12m09s
